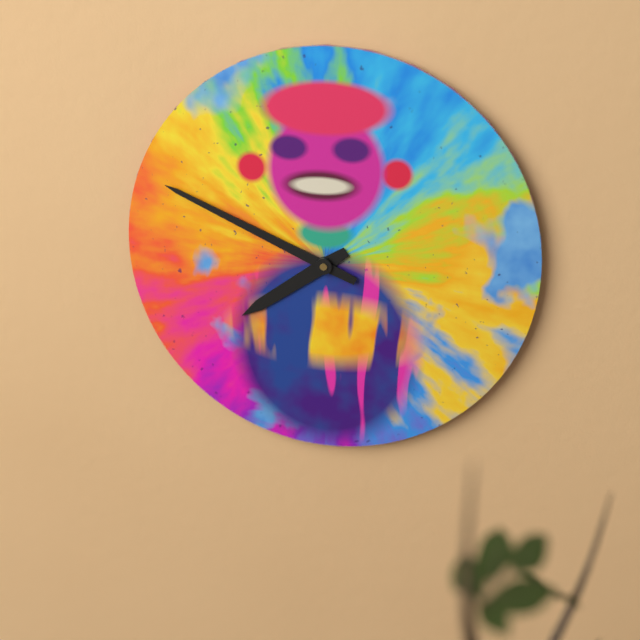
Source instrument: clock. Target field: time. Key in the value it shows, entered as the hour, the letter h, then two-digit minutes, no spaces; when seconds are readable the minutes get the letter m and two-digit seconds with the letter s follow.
7h49
